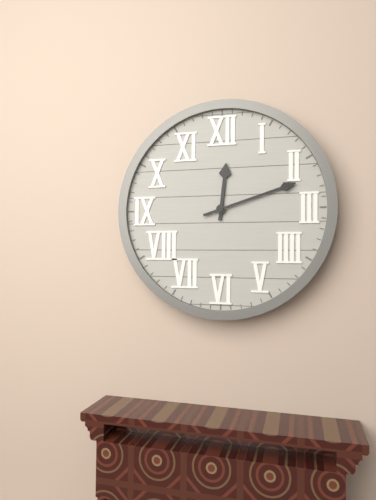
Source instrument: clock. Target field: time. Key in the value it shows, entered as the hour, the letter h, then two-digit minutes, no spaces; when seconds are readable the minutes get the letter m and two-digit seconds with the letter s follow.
12h12
